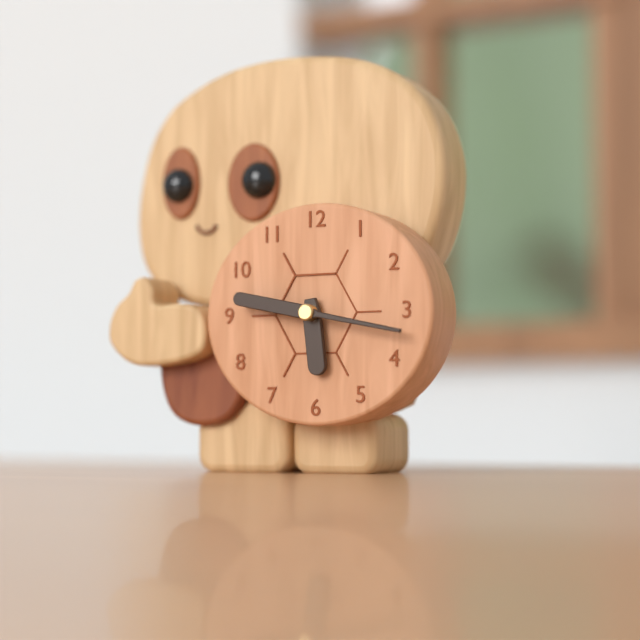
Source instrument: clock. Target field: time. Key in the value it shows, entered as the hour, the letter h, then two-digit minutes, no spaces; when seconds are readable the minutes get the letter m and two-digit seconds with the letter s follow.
5h47
